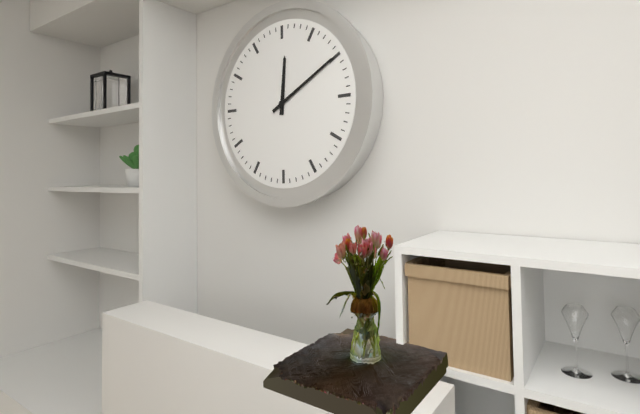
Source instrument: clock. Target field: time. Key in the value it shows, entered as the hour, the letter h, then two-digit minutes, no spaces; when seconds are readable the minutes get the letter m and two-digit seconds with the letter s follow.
12h10
